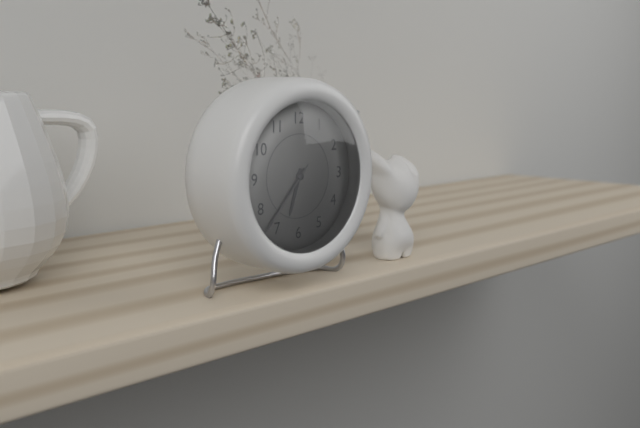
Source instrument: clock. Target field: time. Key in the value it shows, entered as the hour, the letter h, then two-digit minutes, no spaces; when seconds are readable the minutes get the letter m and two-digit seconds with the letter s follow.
6h37m37s
